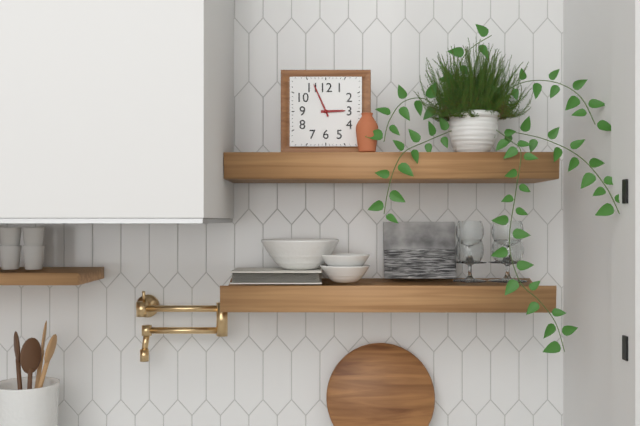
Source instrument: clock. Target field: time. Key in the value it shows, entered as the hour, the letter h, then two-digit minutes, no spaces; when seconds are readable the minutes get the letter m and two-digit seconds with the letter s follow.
2h56
